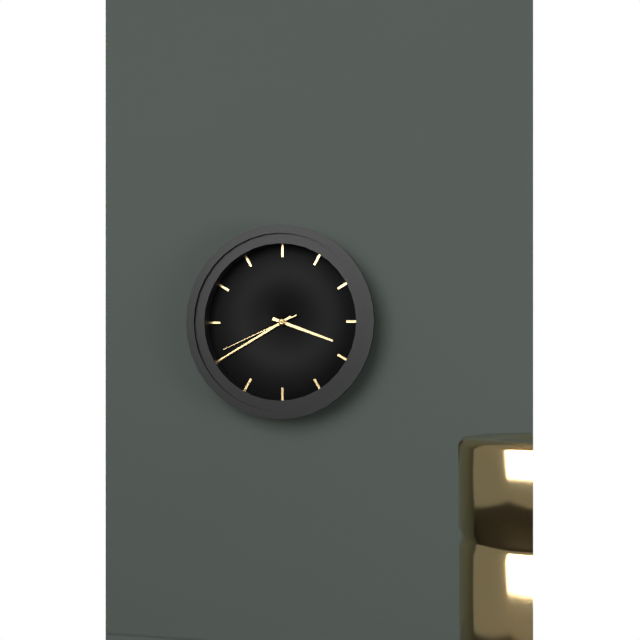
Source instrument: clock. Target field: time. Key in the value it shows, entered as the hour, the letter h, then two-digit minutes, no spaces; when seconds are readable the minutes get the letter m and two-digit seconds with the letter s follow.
3h40m41s
